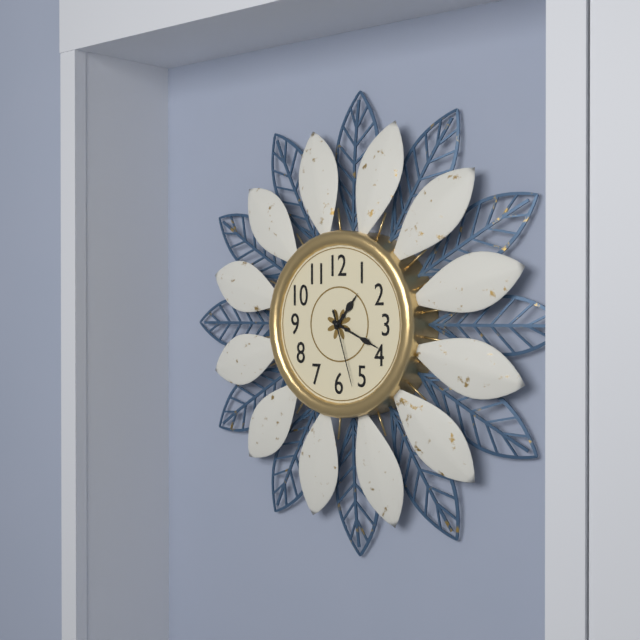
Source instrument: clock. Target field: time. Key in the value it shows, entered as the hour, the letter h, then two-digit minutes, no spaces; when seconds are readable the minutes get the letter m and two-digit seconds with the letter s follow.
1h19m27s
